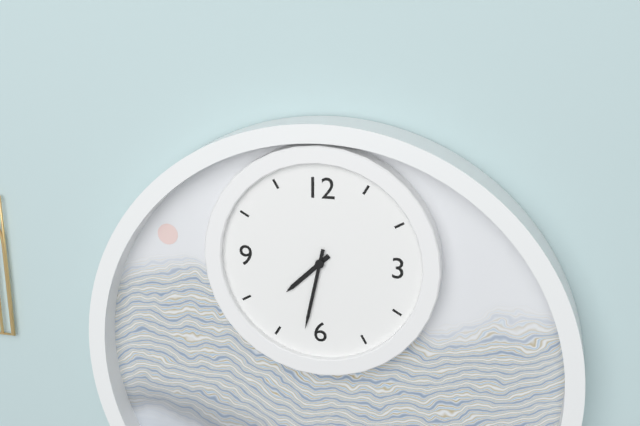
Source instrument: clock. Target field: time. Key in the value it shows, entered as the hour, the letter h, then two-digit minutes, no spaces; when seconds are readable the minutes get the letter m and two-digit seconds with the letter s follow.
7h32
